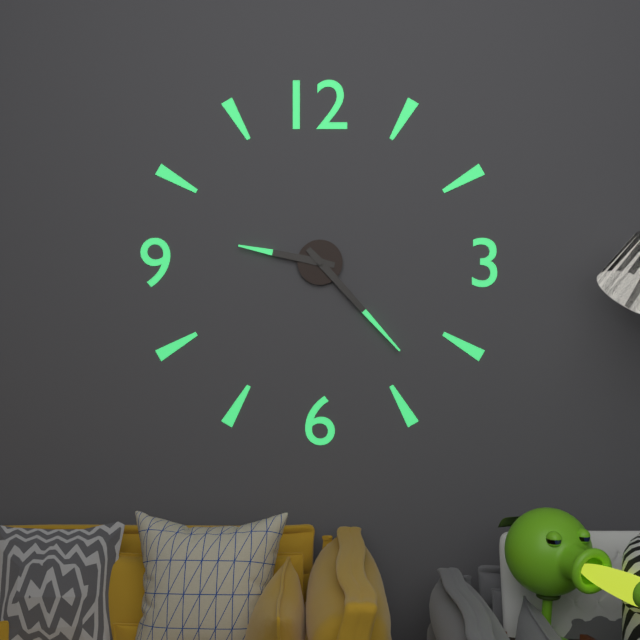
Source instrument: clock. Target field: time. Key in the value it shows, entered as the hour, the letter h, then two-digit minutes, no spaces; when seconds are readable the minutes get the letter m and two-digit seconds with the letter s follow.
9h23
